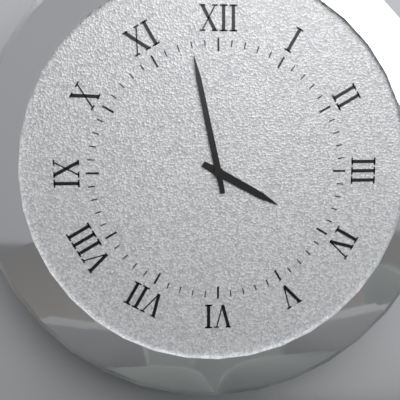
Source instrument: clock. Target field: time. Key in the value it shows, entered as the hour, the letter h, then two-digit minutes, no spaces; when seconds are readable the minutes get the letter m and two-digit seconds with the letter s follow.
3h58
